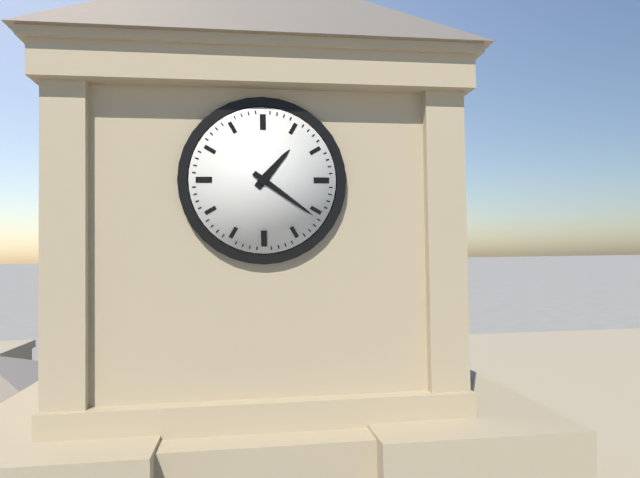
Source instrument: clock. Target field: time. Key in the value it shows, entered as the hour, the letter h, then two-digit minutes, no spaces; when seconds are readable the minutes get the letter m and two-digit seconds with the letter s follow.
1h21
